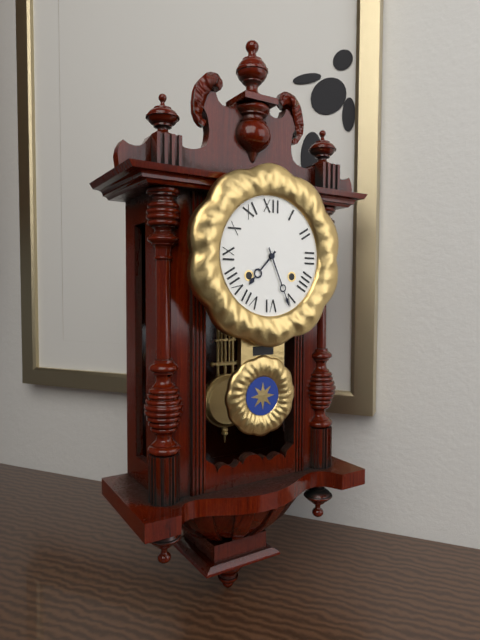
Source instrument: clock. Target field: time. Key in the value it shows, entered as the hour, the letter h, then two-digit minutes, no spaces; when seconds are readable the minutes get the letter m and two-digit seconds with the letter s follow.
7h26
